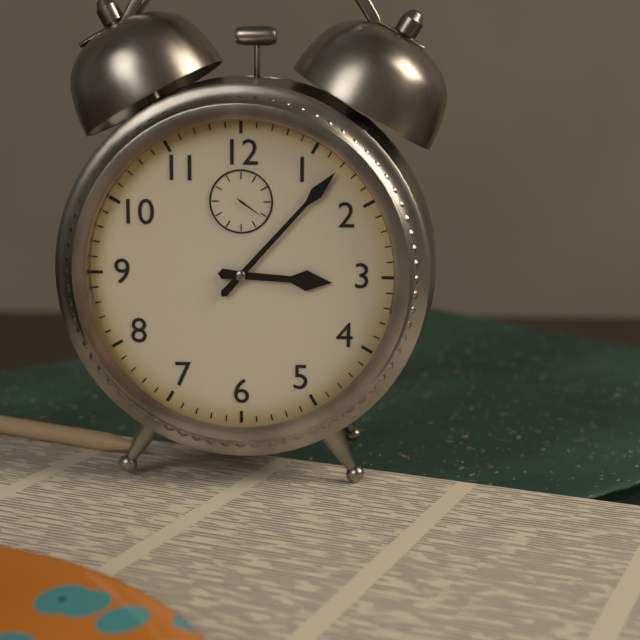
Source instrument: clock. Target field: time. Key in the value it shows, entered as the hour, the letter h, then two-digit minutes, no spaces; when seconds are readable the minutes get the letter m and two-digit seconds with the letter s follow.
3h07
